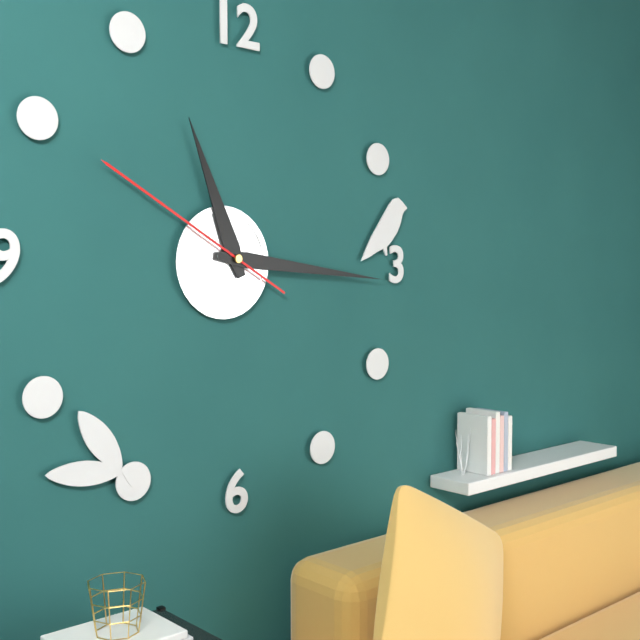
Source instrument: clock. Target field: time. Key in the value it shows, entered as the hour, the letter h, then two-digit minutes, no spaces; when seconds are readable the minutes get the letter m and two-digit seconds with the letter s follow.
11h16m50s
